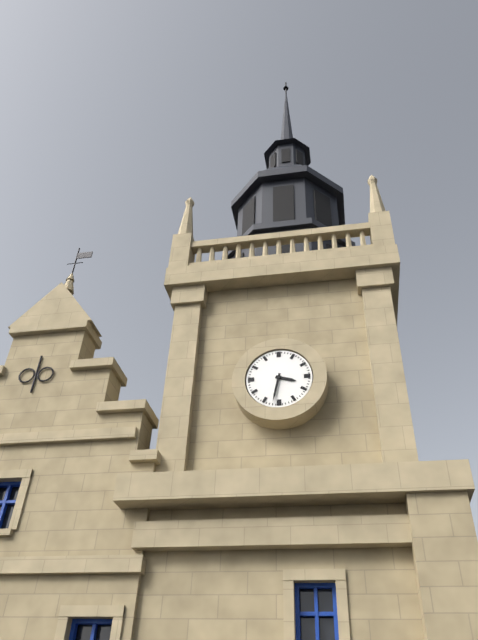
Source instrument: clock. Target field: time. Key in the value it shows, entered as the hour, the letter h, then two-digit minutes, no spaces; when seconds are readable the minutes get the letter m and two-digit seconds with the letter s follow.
3h32
